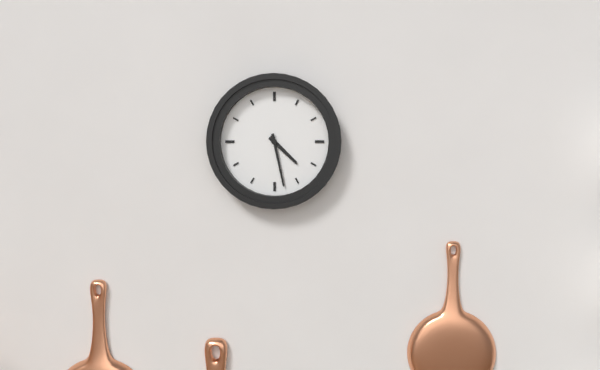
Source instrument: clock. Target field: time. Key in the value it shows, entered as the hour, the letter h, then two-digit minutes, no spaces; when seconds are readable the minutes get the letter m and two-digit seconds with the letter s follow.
4h28
